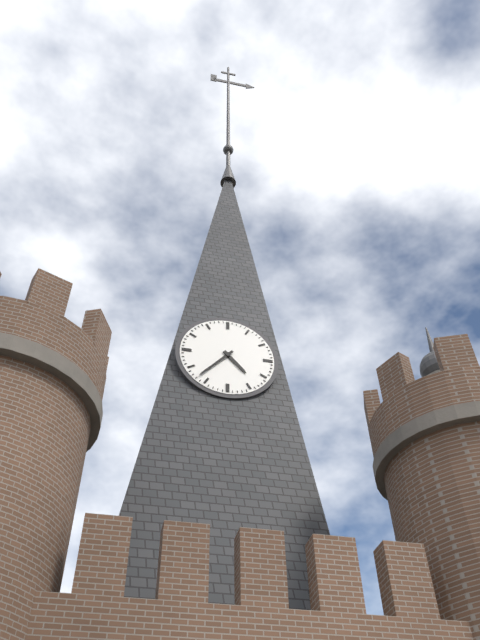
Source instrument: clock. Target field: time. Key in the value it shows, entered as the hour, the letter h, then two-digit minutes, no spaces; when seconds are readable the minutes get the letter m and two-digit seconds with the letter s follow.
4h37
